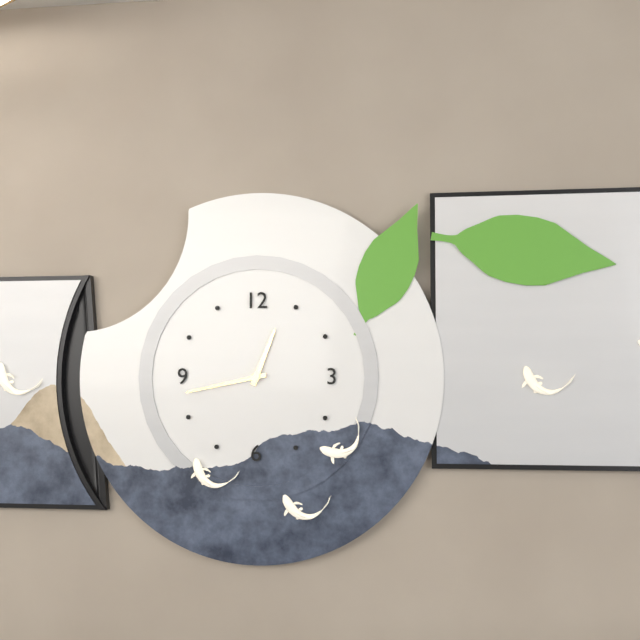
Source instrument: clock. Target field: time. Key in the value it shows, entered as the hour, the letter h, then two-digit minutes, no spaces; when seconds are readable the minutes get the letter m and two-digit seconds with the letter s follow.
12h43
